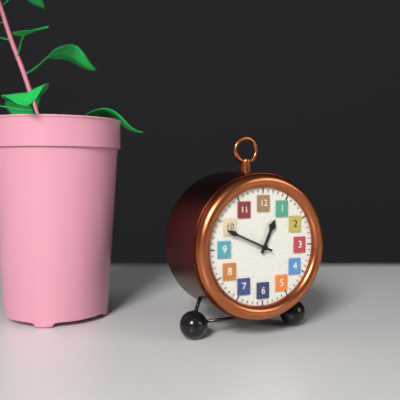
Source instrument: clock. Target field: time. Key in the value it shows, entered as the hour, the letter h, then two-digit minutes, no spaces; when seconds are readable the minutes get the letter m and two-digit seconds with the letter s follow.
12h49
